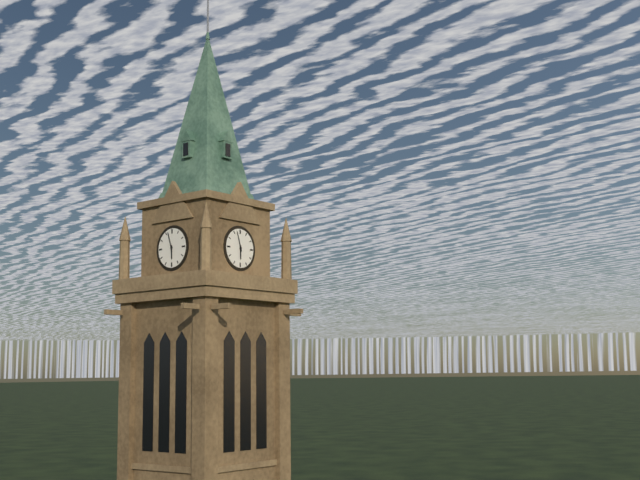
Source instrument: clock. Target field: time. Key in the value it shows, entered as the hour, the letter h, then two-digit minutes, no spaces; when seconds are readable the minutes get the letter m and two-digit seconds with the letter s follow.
5h57
